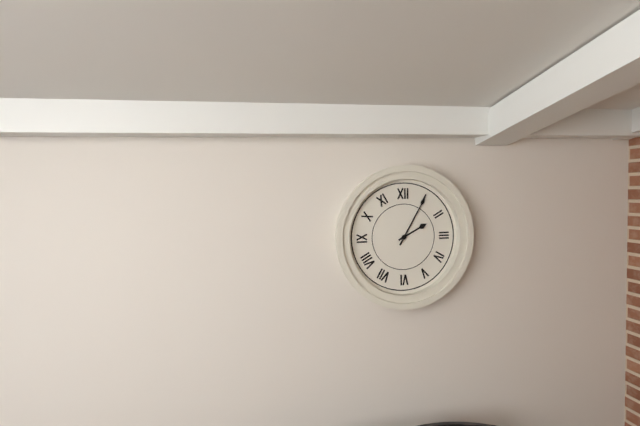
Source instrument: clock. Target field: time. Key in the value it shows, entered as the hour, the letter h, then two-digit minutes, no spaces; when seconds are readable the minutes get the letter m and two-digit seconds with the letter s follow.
2h05
